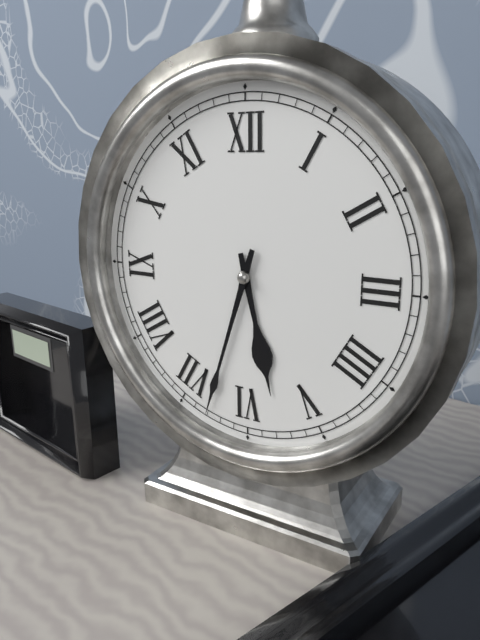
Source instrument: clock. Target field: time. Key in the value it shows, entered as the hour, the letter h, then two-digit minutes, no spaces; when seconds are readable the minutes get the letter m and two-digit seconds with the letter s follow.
5h33
